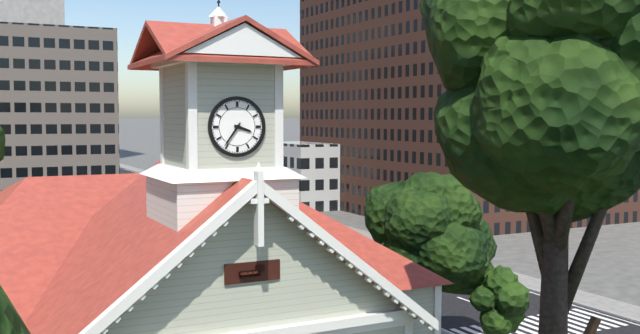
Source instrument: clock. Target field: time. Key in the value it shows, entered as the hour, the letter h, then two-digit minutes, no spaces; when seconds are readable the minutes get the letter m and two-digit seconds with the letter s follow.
3h36
